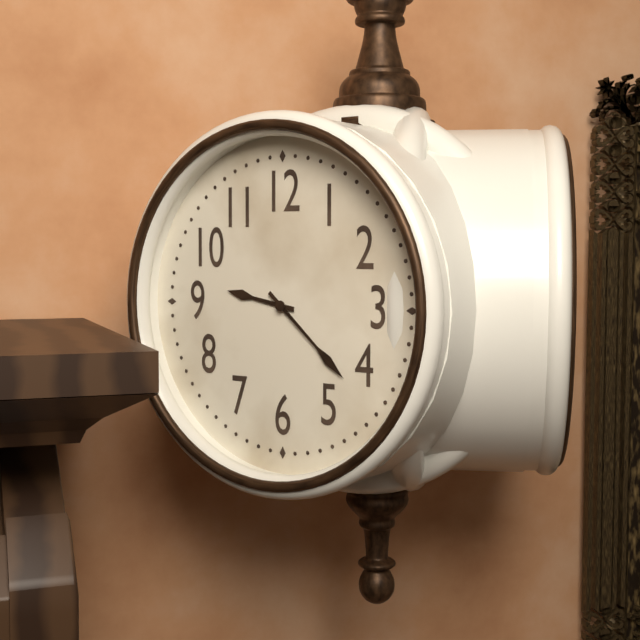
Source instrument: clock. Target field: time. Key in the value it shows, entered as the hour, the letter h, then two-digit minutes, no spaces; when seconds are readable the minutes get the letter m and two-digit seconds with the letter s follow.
9h22
